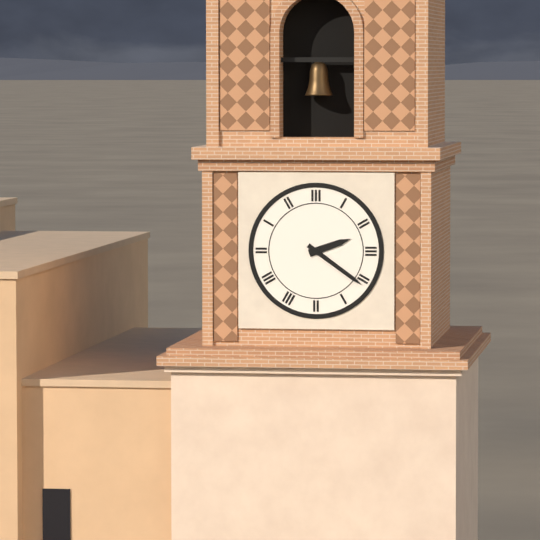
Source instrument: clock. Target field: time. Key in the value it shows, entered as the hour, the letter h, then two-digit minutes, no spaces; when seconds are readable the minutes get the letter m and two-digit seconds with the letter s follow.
2h21
